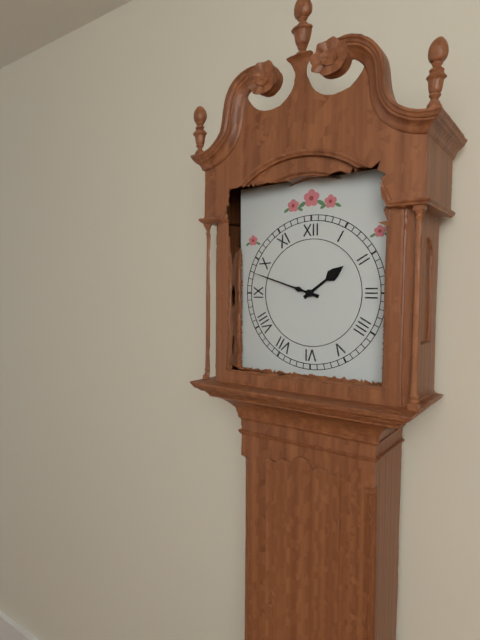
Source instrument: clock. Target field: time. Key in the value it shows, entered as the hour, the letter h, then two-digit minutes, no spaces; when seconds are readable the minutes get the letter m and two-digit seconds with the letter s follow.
1h48
